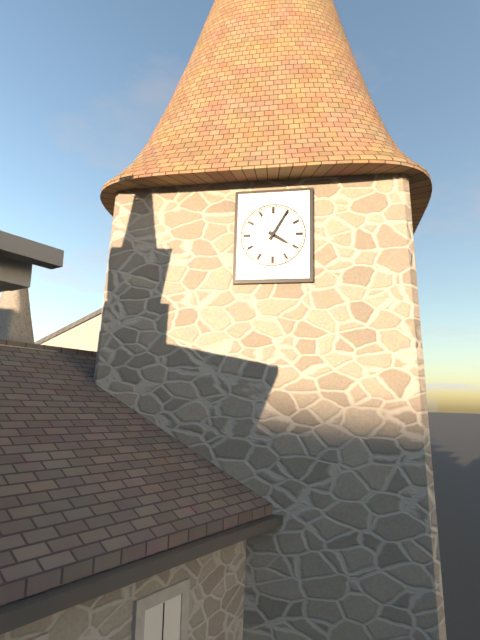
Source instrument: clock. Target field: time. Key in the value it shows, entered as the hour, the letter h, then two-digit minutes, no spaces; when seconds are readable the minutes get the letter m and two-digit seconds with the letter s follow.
4h05
